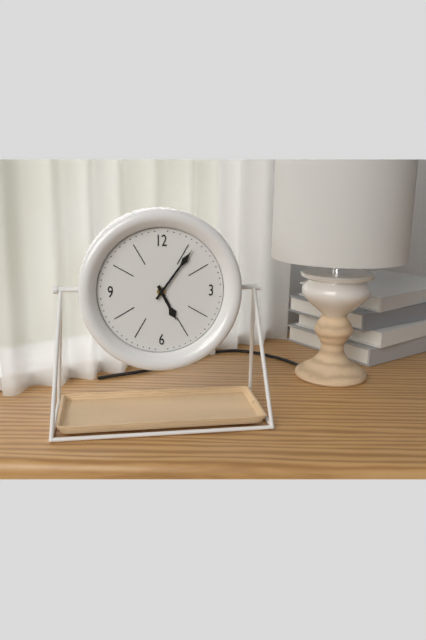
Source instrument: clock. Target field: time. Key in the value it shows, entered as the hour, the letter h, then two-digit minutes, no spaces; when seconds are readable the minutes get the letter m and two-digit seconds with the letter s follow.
5h06
